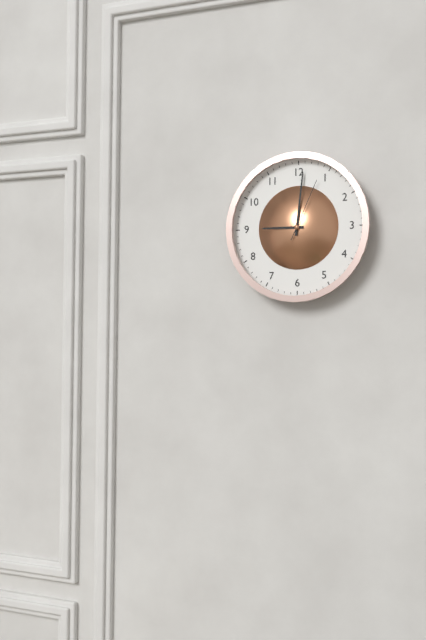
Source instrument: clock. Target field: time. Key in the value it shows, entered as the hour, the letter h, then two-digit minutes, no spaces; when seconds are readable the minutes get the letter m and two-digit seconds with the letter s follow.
9h01m04s
